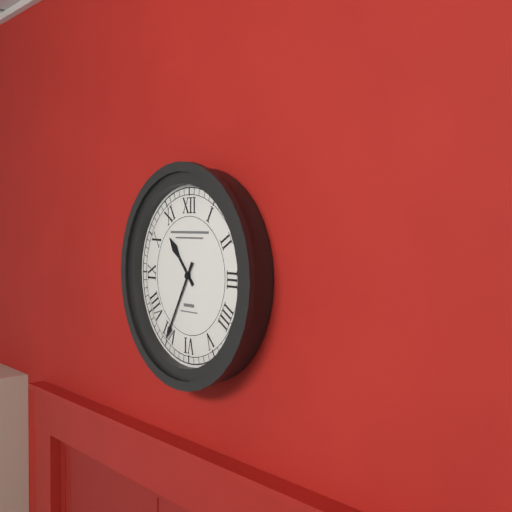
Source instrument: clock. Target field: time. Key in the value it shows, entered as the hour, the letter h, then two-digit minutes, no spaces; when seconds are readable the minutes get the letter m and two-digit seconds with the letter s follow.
10h35
